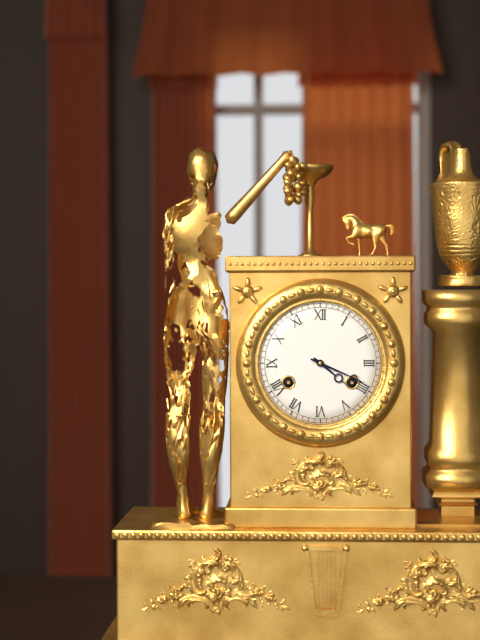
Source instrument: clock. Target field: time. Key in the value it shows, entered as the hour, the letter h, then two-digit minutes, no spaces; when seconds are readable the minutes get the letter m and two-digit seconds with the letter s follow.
4h19
